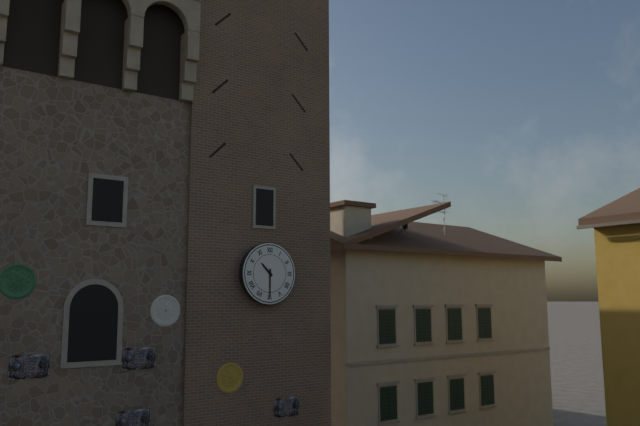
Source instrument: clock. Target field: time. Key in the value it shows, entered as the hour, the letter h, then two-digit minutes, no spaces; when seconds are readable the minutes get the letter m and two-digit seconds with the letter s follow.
10h30
